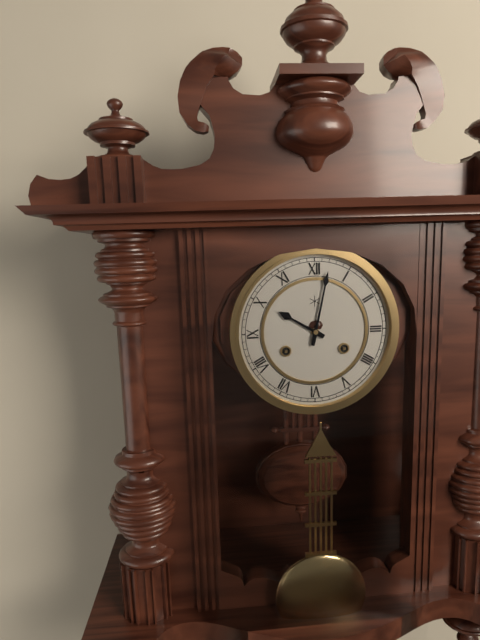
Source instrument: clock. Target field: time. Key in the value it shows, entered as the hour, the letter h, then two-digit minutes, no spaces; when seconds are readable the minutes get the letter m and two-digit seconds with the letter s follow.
10h02
